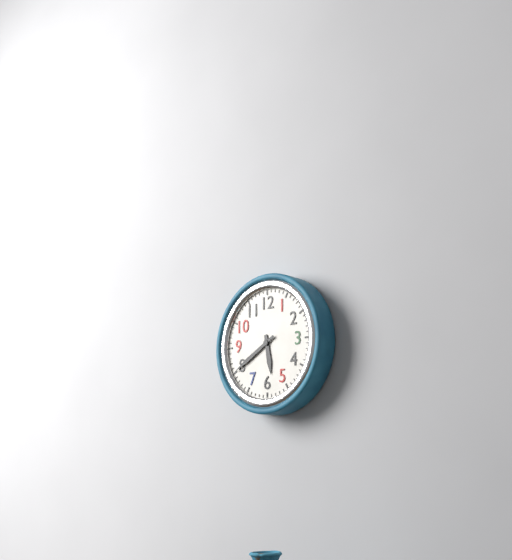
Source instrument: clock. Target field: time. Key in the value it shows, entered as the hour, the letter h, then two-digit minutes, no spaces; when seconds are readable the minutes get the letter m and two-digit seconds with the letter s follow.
5h40
